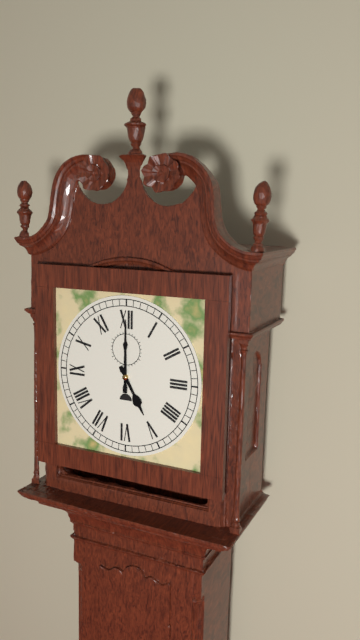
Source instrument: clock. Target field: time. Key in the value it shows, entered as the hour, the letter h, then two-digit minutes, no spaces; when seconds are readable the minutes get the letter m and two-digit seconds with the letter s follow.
5h00
